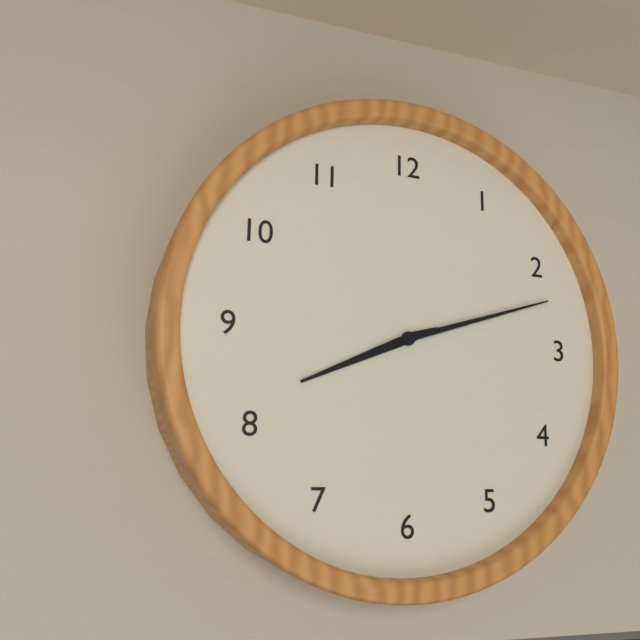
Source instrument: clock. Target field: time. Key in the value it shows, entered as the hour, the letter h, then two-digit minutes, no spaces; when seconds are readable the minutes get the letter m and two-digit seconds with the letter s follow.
8h12
